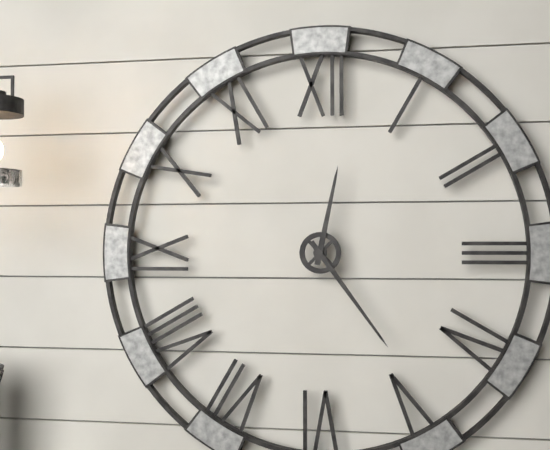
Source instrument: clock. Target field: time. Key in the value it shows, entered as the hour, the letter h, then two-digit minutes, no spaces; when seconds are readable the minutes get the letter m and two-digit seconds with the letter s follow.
12h24
